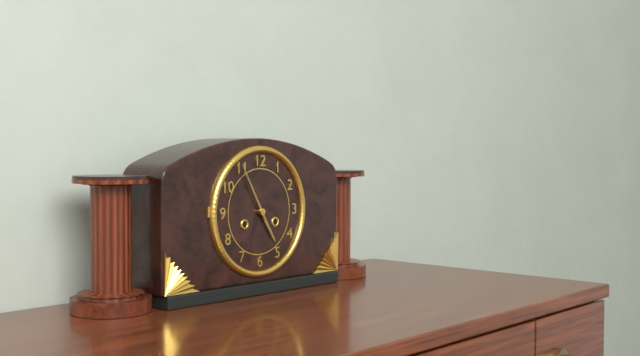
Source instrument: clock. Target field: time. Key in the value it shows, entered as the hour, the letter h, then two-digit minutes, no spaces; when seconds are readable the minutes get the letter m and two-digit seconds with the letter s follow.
4h55
